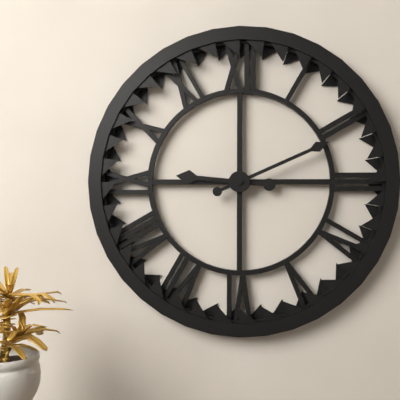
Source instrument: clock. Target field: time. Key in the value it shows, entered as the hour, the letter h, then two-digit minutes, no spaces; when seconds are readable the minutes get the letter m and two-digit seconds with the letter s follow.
9h11
